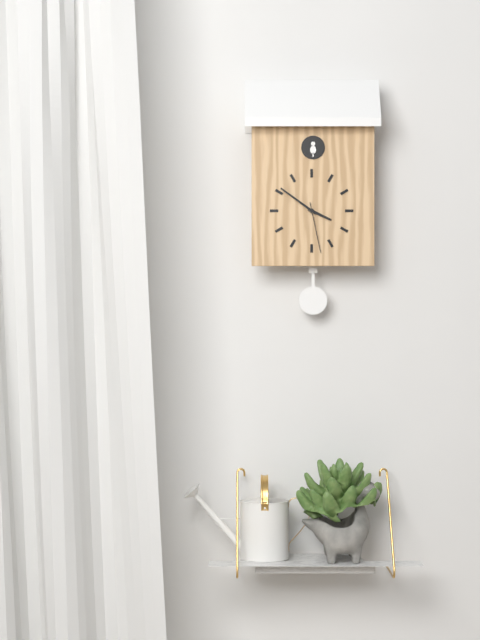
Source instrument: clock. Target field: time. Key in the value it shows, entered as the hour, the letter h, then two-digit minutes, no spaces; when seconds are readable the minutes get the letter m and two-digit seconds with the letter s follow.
3h51m28s
